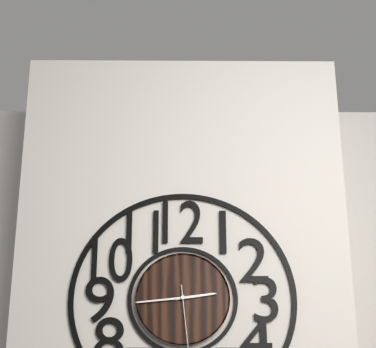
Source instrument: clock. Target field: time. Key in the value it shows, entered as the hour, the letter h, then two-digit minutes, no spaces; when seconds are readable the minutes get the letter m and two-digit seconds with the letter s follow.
2h44m29s
